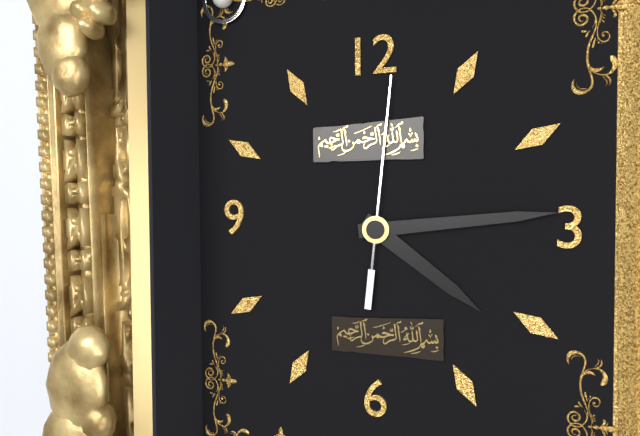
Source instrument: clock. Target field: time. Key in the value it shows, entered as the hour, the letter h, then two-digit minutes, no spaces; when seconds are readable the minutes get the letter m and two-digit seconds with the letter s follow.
4h14m01s
